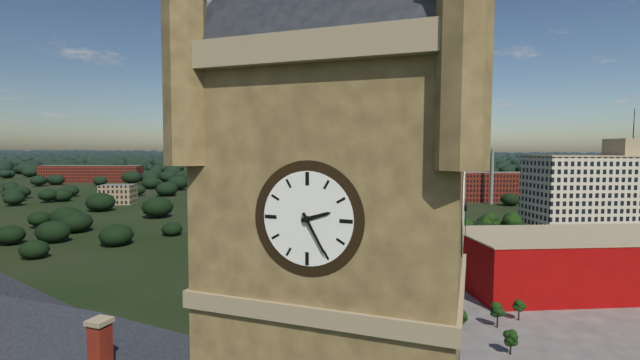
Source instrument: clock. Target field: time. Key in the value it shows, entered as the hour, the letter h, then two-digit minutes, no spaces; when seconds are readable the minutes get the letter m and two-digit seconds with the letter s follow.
2h25
